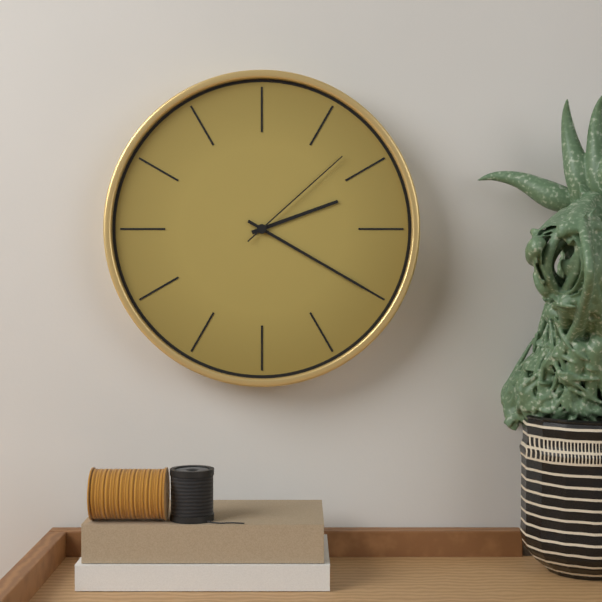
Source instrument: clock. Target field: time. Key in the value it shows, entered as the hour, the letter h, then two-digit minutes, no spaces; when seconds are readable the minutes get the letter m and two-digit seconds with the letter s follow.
2h20m08s
